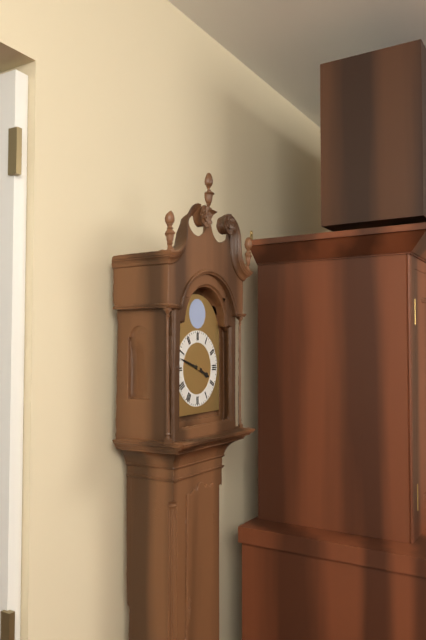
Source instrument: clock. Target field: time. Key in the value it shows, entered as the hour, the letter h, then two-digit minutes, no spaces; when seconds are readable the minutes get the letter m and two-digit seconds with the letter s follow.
3h48
